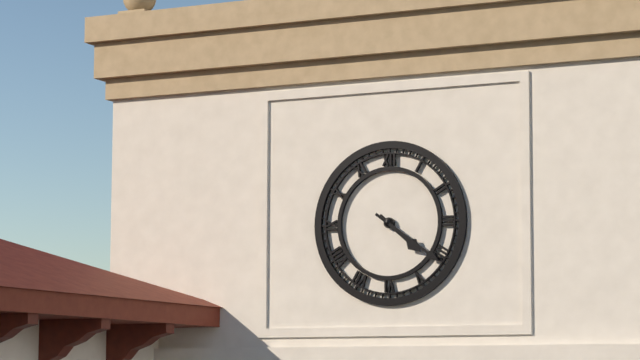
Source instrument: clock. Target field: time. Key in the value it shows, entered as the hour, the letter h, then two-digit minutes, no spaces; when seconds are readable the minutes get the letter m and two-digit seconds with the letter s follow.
4h21
